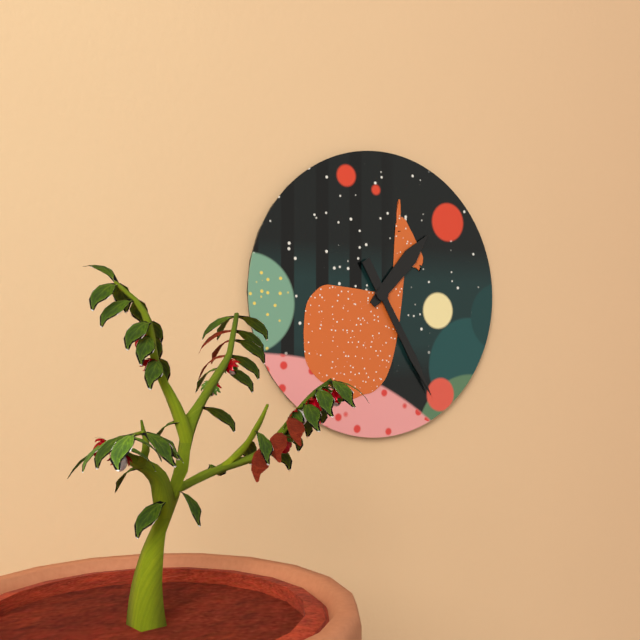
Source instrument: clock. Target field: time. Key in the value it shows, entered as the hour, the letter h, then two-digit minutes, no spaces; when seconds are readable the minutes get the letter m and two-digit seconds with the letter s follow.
1h25
